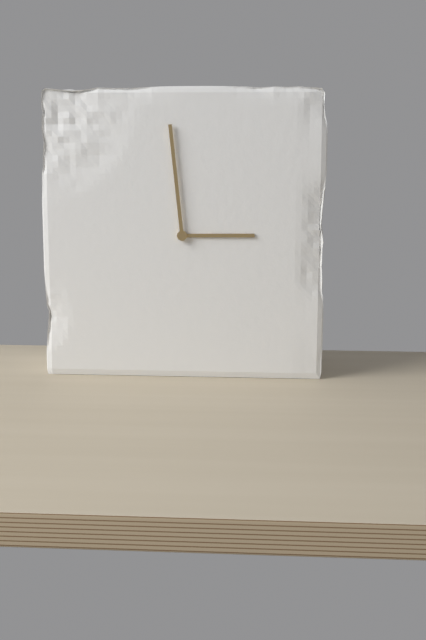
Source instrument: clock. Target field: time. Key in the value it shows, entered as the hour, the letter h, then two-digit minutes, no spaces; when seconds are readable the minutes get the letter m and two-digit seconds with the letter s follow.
2h59
